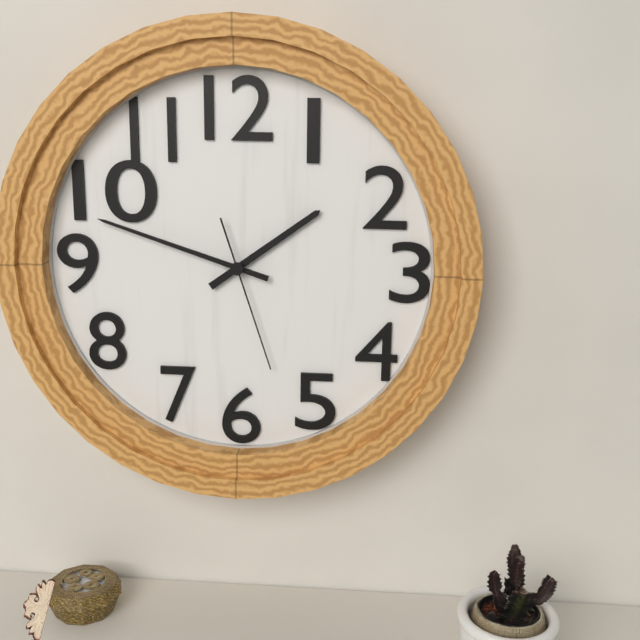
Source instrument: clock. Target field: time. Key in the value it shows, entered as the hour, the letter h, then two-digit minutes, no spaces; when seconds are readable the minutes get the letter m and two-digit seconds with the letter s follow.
1h48m27s
